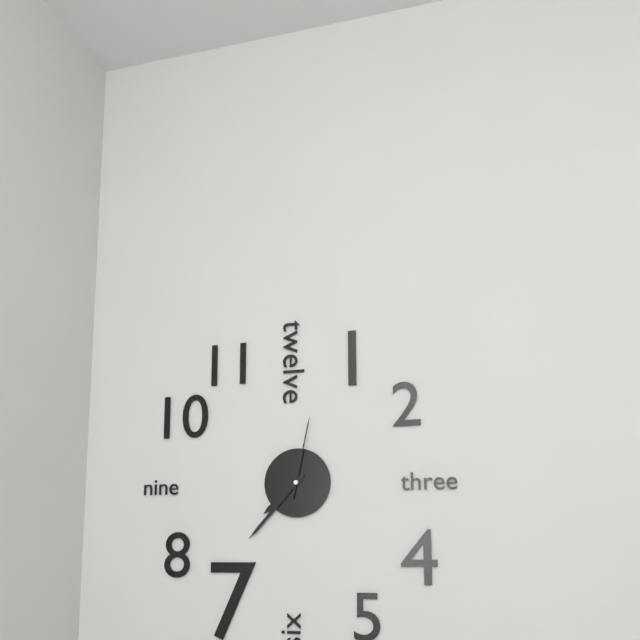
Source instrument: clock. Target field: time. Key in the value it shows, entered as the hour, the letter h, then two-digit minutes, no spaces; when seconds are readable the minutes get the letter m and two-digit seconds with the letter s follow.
7h37m02s
